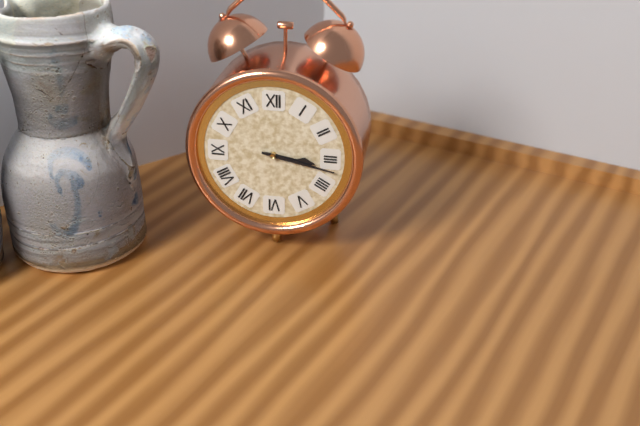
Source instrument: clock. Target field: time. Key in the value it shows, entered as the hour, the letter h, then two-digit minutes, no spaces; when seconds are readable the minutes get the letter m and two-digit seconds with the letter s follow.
3h17
